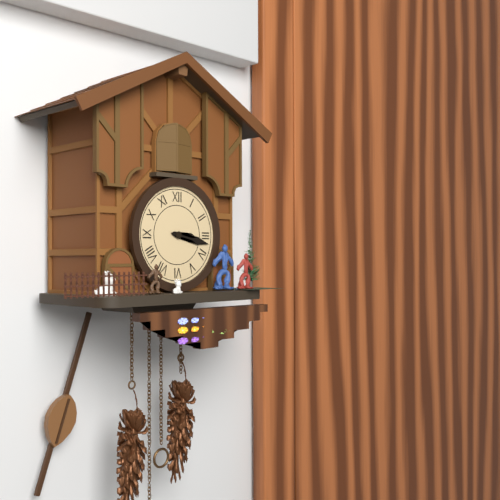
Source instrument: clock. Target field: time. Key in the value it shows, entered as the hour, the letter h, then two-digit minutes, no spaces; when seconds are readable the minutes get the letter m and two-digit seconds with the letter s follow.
3h17
